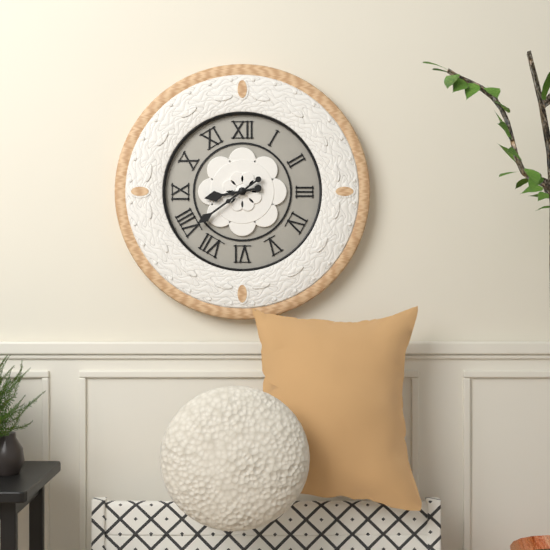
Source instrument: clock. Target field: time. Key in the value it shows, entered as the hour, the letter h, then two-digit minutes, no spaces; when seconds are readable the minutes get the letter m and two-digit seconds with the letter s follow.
8h39
